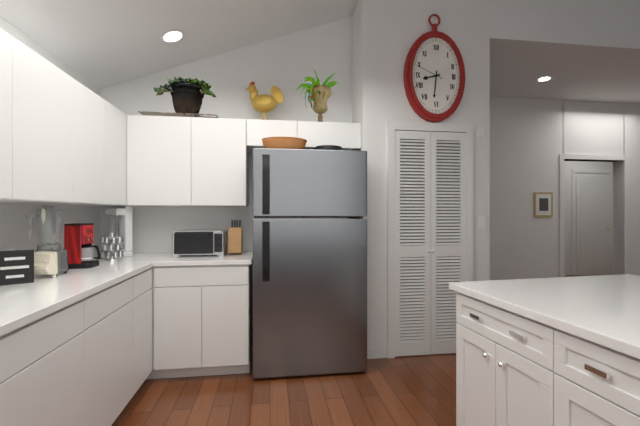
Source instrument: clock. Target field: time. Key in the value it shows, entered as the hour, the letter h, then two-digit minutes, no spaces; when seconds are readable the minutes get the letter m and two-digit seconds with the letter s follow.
8h31
